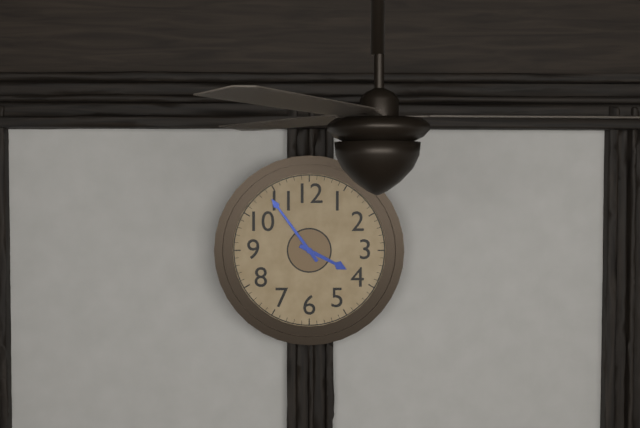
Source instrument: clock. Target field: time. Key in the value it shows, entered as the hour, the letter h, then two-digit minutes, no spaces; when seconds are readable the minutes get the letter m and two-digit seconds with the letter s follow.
3h54
